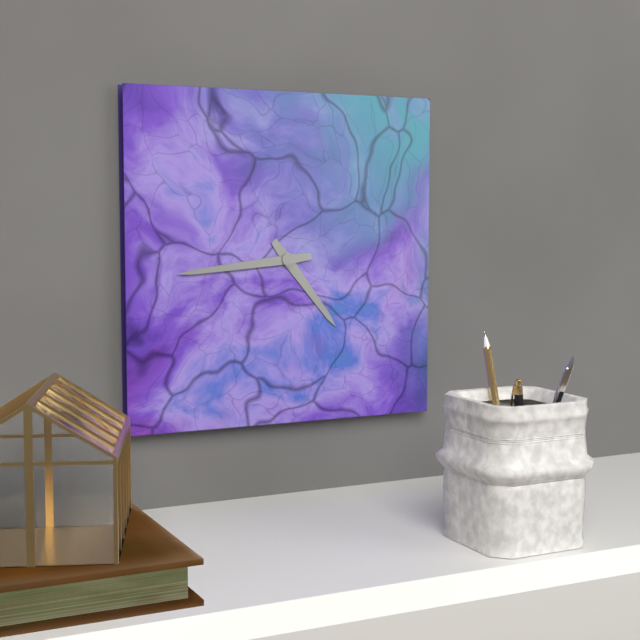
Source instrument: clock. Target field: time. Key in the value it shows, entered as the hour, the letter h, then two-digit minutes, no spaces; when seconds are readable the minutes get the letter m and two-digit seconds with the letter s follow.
4h44
